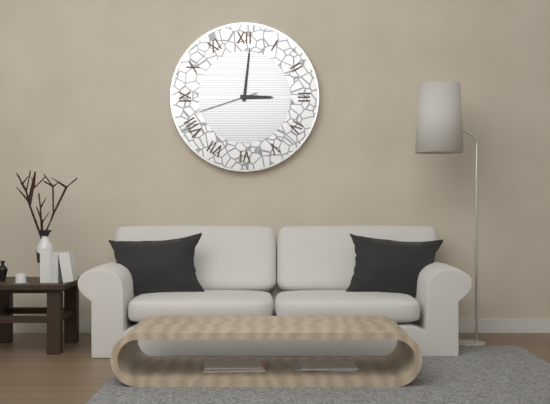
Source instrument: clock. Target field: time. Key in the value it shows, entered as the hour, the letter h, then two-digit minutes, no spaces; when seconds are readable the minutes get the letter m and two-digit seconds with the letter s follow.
3h01m42s
